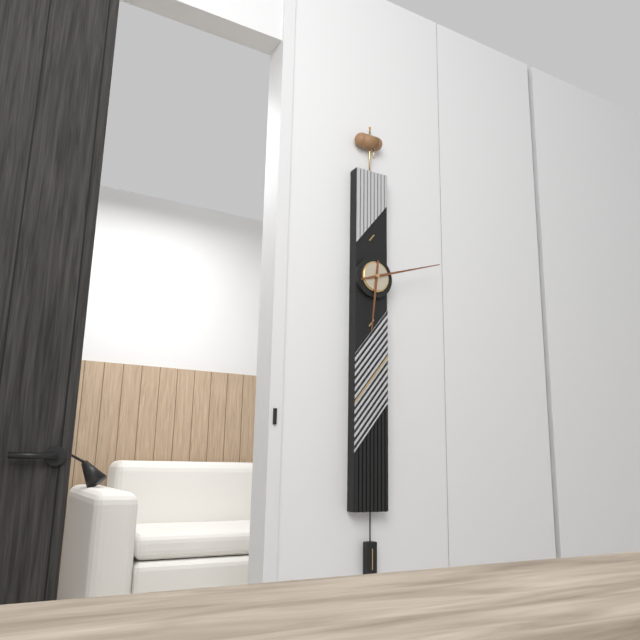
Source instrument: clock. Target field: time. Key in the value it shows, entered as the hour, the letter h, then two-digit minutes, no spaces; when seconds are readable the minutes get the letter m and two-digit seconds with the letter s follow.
6h12
